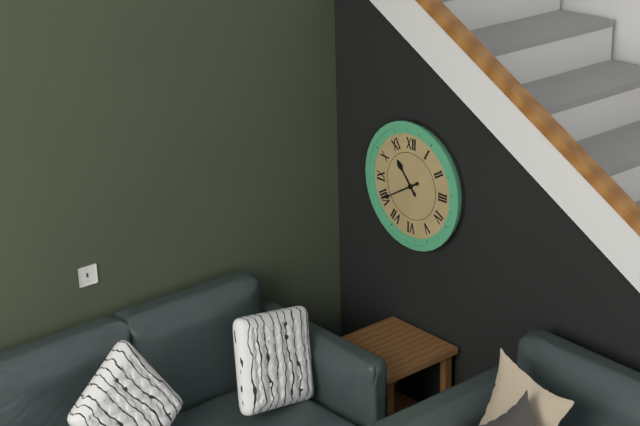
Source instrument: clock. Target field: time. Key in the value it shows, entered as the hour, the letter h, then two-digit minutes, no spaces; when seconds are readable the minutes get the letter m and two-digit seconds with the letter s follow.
10h40
